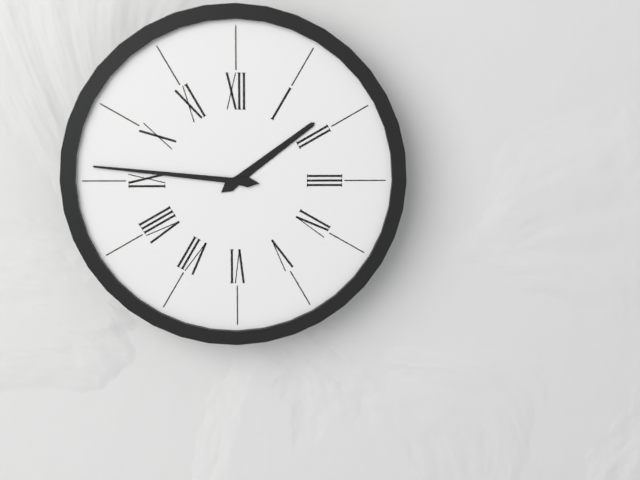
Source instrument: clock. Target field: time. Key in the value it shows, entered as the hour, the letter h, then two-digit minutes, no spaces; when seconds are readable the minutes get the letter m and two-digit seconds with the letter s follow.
1h46
